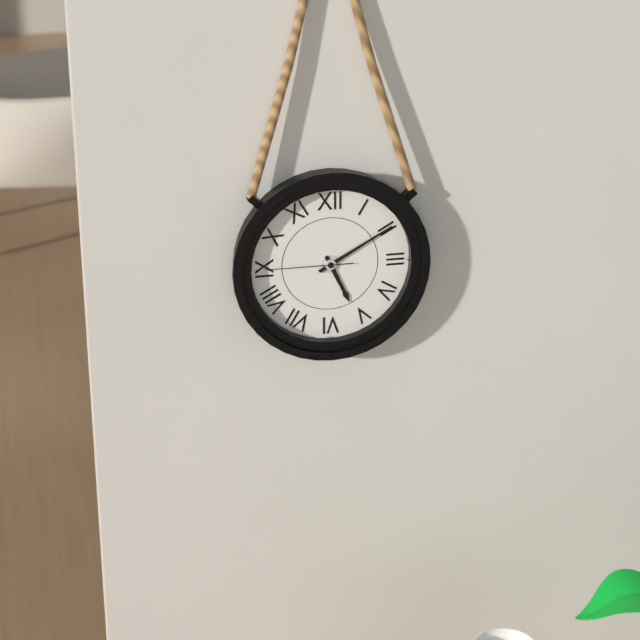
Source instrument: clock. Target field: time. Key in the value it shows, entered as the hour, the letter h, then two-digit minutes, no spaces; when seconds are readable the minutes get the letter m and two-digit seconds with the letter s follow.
5h10m45s
